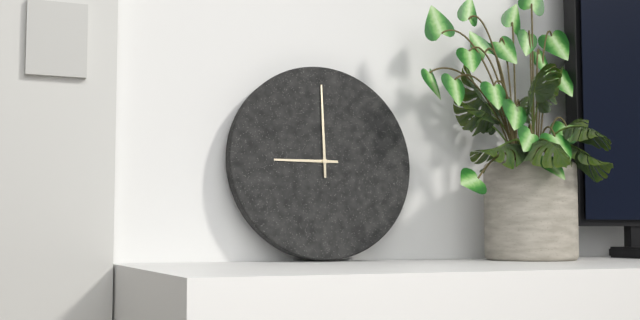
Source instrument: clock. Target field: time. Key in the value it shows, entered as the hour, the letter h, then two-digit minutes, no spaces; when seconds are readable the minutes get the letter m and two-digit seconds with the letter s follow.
9h00
